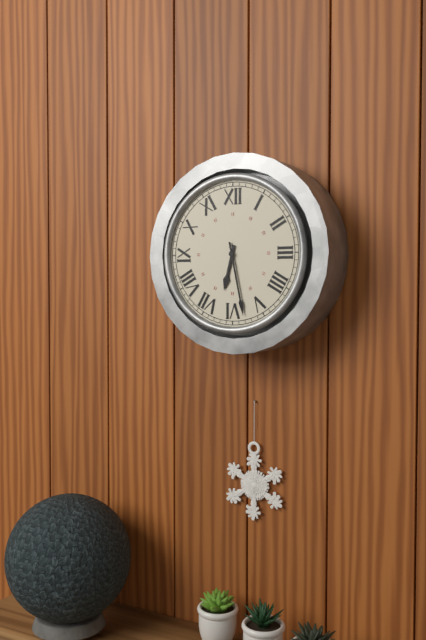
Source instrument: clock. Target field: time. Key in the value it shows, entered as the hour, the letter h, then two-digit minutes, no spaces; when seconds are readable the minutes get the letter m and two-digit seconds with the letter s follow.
6h28
